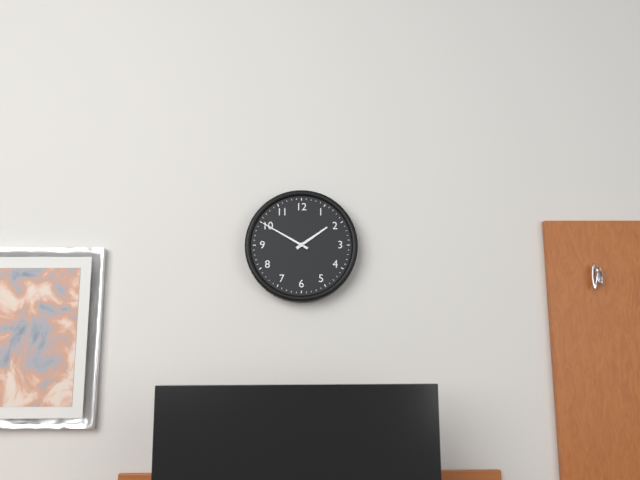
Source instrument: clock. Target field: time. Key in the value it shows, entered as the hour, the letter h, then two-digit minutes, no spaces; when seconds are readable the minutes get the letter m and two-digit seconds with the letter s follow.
1h50
